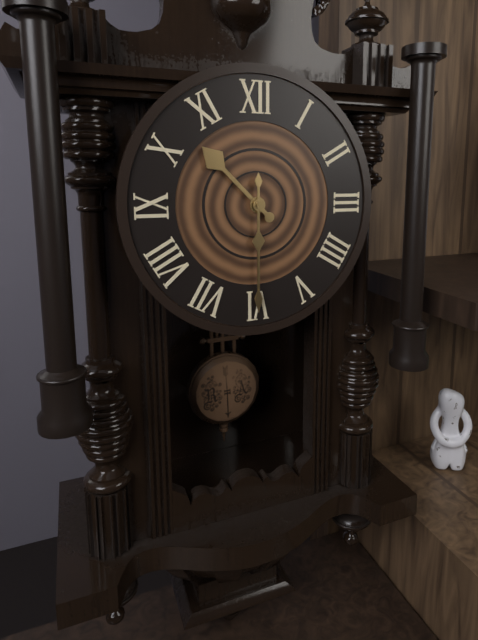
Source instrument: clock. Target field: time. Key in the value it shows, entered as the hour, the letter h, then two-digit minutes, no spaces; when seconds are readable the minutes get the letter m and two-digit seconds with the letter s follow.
10h30
